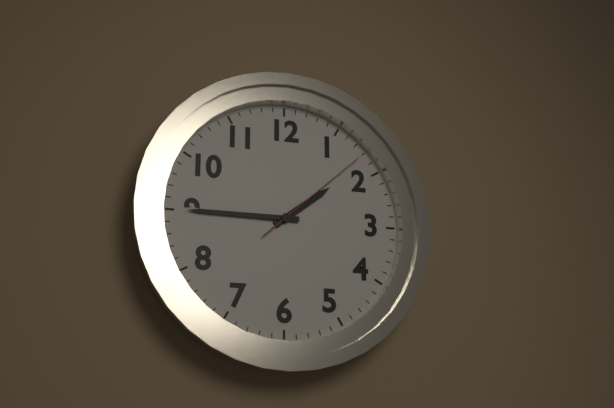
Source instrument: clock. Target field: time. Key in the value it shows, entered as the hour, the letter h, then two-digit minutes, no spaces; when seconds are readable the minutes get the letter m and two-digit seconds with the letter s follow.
1h45m08s
